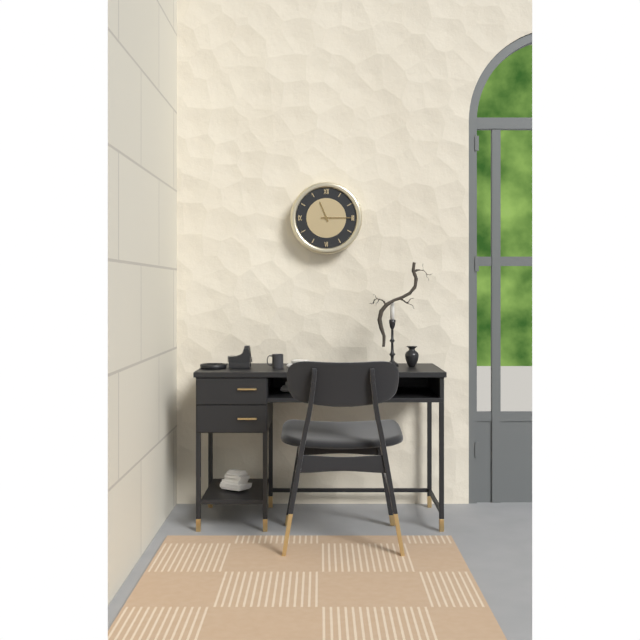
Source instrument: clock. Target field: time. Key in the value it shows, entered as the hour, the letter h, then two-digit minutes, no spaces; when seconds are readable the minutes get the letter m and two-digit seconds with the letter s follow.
11h15
